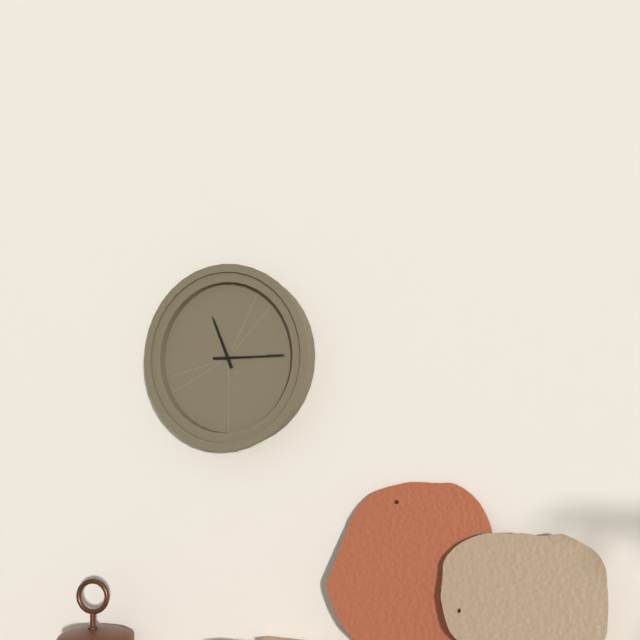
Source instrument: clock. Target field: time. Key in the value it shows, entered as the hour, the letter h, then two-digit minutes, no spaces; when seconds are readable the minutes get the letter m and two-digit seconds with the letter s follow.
11h15
